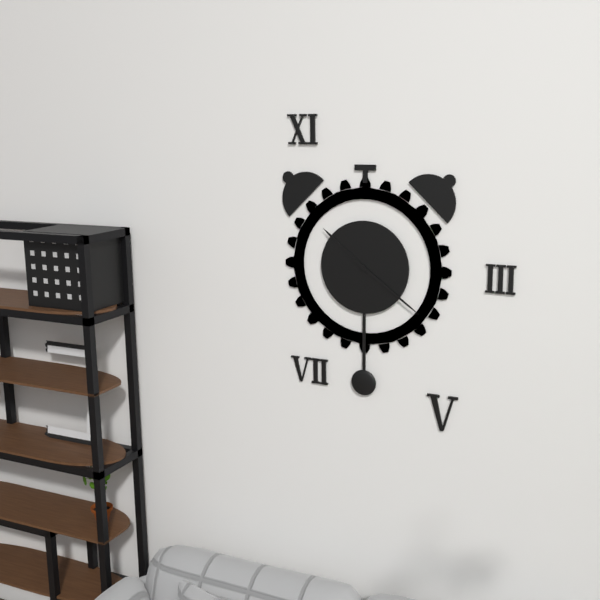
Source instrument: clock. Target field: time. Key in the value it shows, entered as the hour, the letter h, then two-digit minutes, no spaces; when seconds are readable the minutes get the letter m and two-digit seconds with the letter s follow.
10h21
